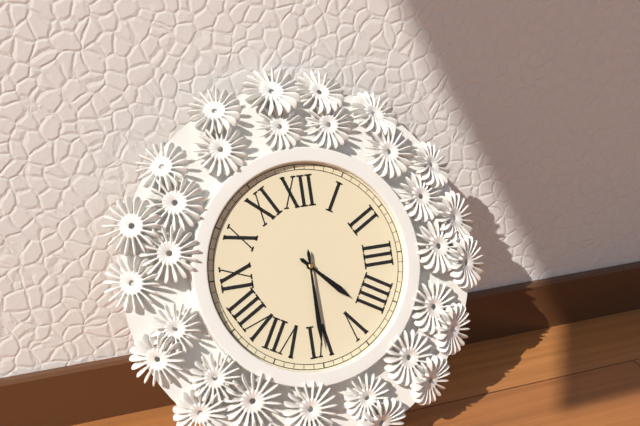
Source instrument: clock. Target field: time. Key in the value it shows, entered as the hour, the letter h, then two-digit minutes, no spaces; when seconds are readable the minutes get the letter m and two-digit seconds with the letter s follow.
4h30
